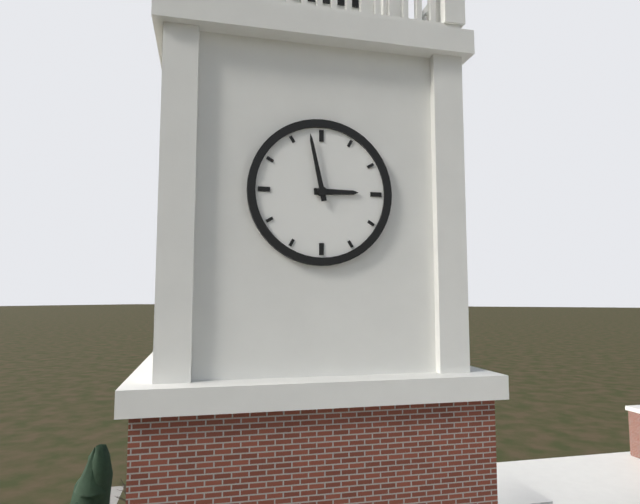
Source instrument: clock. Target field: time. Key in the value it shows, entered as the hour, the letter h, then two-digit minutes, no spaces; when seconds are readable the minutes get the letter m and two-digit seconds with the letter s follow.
2h58
